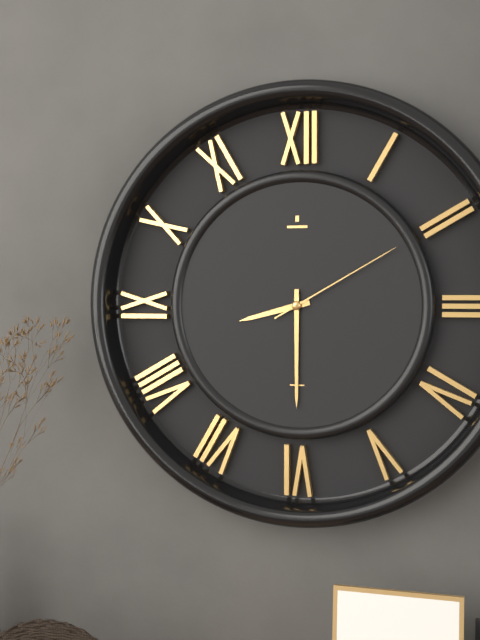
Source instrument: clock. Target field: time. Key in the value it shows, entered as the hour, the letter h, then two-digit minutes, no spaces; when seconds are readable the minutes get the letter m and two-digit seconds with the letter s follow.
8h30m10s
